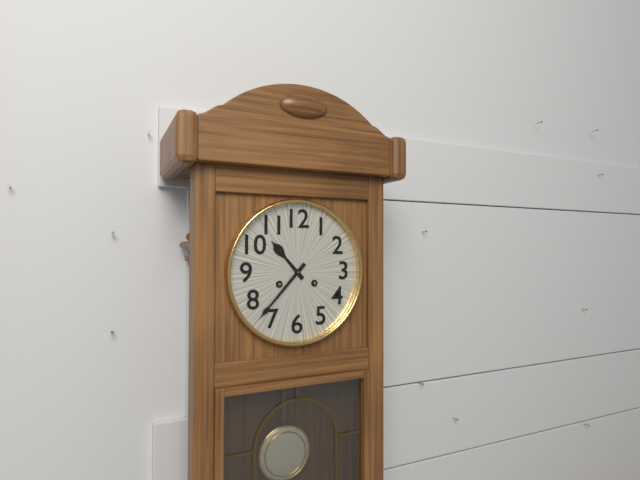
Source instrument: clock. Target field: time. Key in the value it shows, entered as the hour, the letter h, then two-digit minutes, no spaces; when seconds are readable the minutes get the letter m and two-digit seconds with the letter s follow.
10h37
